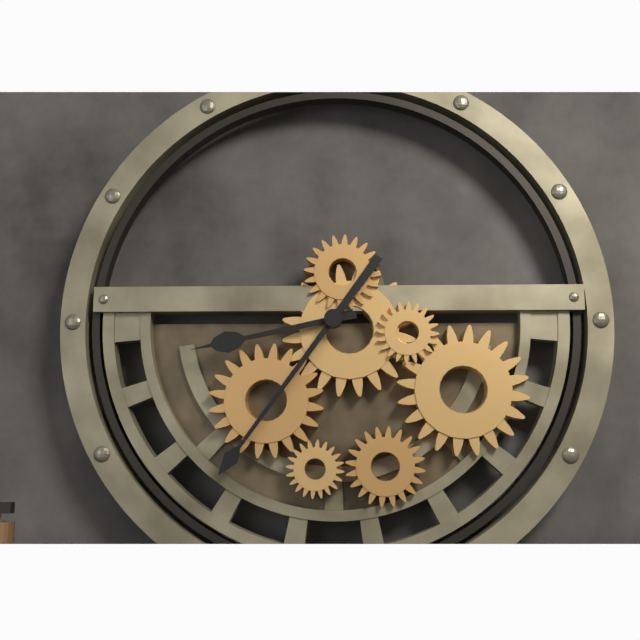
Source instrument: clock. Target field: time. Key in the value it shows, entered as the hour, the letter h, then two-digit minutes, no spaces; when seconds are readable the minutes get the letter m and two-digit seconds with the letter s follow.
8h36
